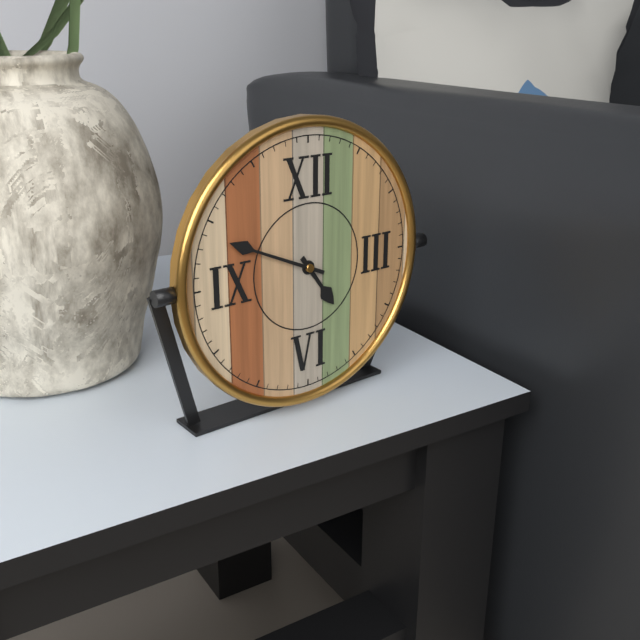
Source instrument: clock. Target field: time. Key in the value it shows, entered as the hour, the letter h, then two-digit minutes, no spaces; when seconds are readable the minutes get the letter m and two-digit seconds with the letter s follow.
4h49
